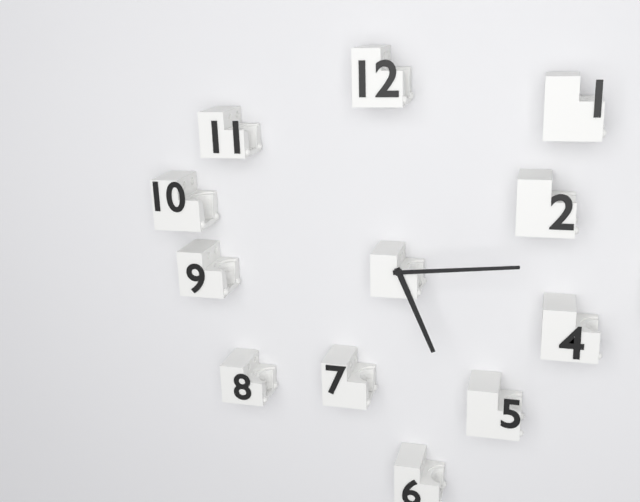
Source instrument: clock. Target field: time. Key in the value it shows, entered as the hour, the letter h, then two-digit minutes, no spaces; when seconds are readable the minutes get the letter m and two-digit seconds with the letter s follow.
5h14
